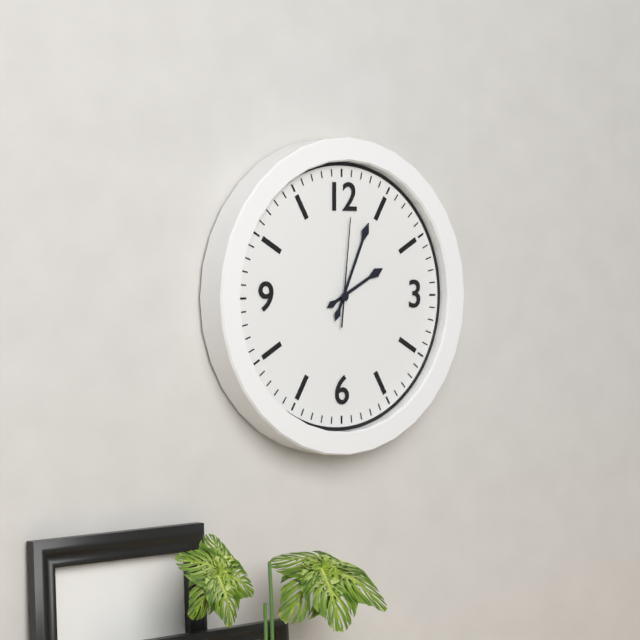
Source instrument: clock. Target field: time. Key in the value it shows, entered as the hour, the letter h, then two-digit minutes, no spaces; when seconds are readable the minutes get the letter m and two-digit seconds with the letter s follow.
2h04m01s
